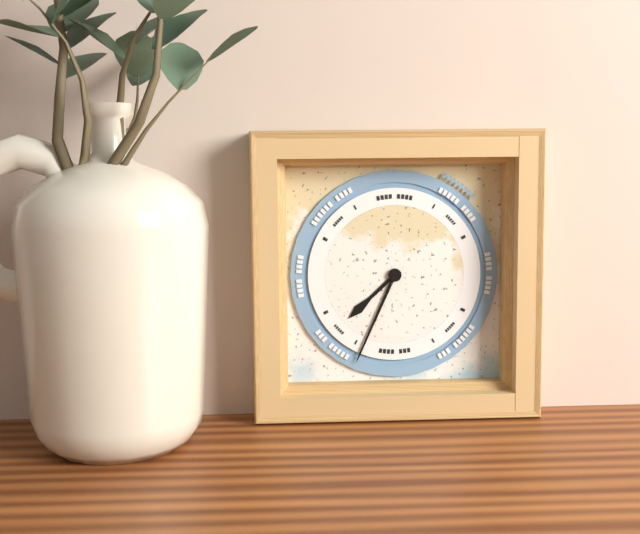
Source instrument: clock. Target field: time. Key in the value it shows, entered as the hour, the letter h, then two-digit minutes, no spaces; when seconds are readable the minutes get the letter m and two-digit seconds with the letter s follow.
7h34
